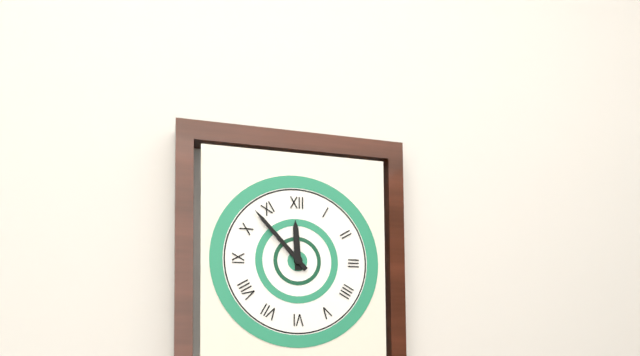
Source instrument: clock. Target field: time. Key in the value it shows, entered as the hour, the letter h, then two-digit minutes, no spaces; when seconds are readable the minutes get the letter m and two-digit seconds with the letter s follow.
11h53
